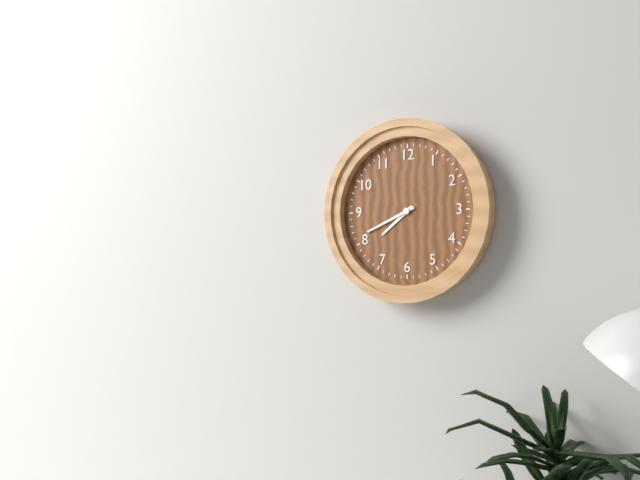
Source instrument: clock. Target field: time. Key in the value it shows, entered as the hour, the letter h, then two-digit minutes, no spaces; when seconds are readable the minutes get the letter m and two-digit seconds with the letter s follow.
7h41
